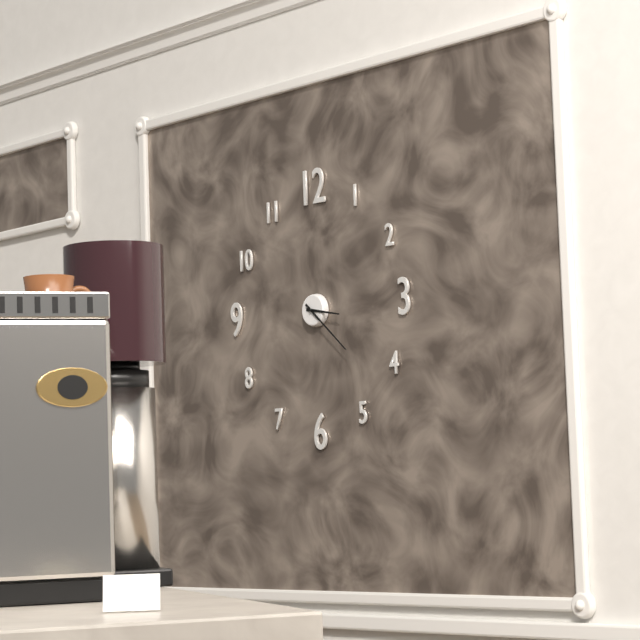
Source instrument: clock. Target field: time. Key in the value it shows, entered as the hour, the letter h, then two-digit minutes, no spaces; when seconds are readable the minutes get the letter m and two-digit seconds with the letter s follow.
3h22
